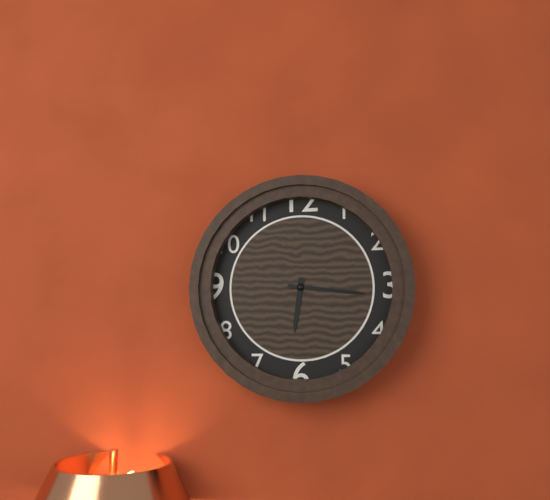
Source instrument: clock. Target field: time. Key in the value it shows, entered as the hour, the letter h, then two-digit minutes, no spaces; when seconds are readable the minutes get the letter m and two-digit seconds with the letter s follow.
6h16
